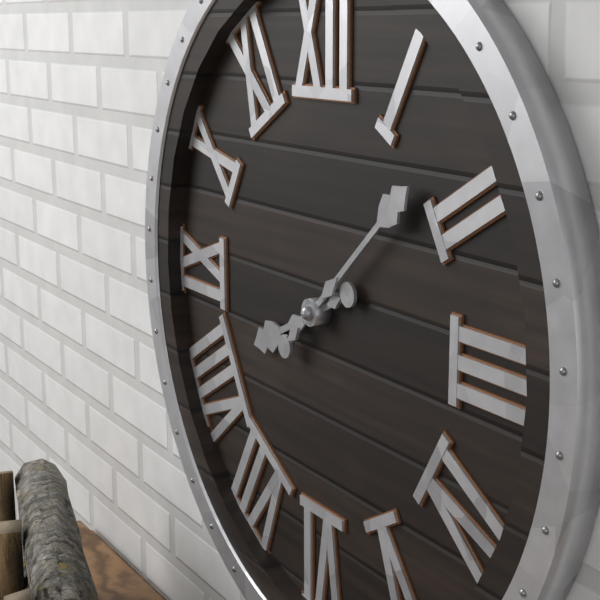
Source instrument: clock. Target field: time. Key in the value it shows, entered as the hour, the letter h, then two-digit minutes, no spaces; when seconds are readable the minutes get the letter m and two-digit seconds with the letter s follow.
8h08
